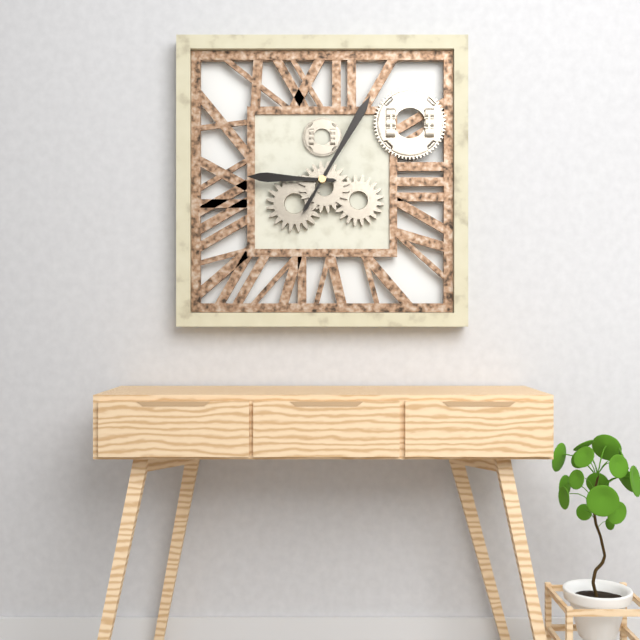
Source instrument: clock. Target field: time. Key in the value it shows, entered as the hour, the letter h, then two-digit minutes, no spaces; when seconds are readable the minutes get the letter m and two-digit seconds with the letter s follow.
9h05
